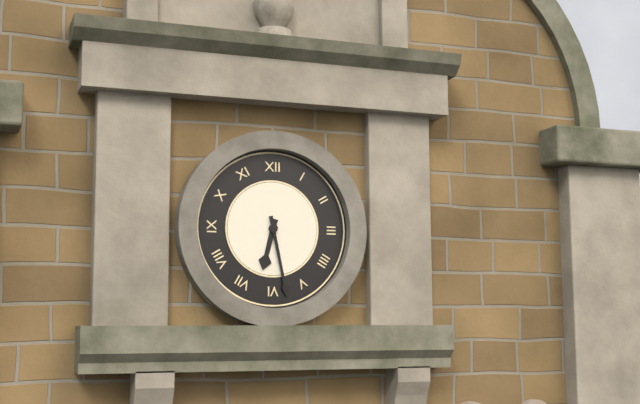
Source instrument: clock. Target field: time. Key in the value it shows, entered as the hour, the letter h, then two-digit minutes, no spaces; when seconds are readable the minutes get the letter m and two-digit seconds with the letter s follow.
6h28
